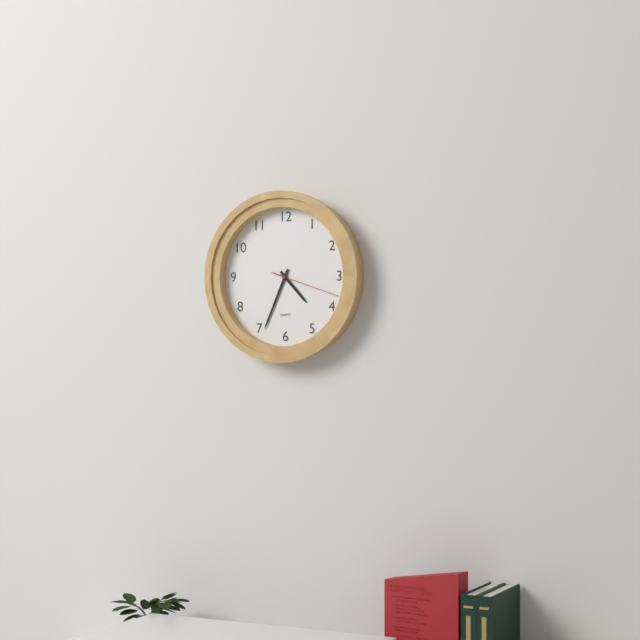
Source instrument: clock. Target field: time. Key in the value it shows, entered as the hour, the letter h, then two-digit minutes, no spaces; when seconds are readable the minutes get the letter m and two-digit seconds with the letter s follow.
4h34m18s
